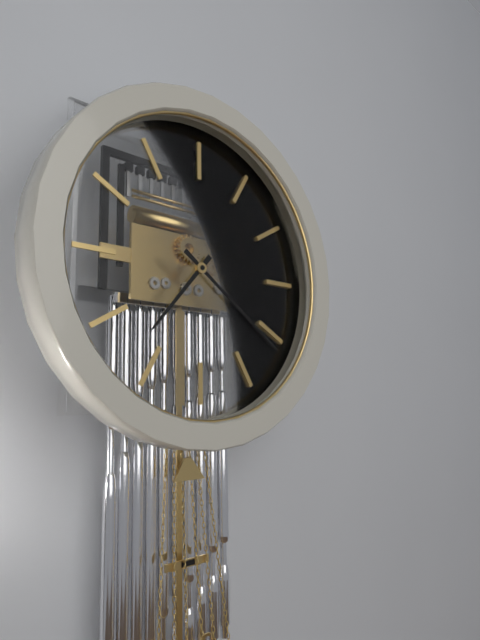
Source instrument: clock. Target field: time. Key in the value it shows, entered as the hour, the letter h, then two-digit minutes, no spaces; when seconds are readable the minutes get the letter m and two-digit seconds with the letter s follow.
7h21
